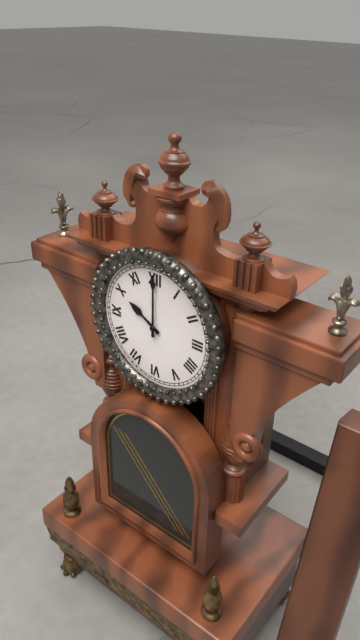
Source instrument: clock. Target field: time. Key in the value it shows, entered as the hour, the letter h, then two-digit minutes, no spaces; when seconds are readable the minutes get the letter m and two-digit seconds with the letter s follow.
10h00
